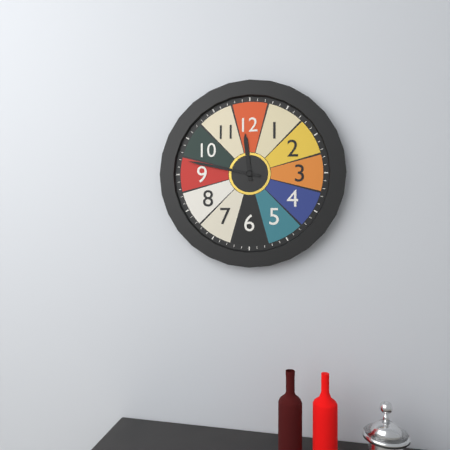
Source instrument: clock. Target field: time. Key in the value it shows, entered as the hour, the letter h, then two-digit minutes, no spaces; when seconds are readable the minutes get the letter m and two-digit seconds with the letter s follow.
11h47
